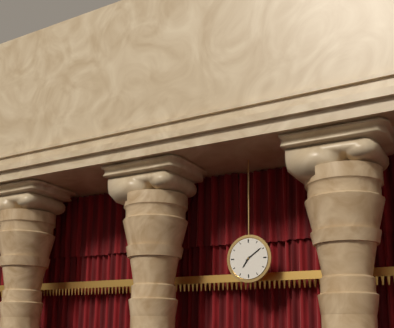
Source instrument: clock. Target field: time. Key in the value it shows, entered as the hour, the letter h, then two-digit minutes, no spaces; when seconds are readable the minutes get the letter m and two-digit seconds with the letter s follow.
7h09
